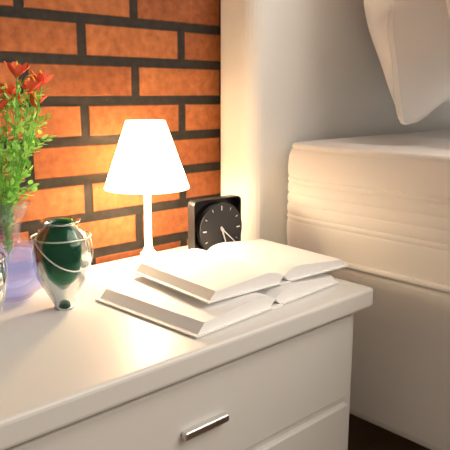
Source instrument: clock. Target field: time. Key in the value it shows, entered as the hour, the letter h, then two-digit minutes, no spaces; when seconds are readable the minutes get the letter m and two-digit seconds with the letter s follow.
5h22
